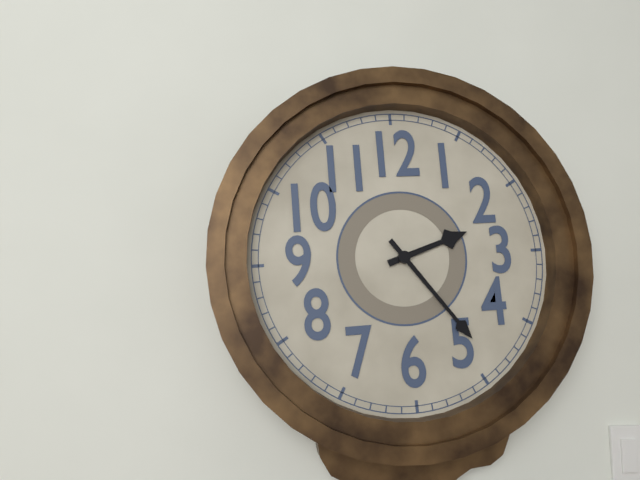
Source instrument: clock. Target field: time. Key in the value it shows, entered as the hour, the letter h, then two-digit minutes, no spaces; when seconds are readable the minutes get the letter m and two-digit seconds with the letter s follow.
2h24
